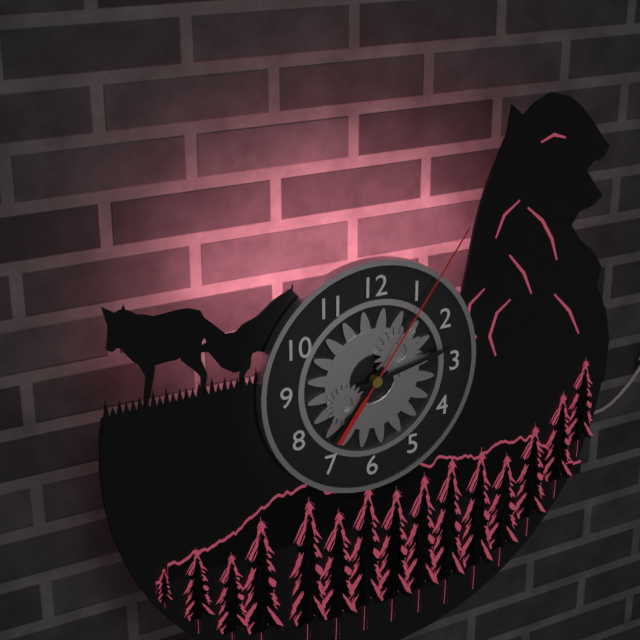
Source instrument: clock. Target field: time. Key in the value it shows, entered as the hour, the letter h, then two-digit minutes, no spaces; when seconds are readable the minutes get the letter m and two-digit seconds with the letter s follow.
7h13m06s
